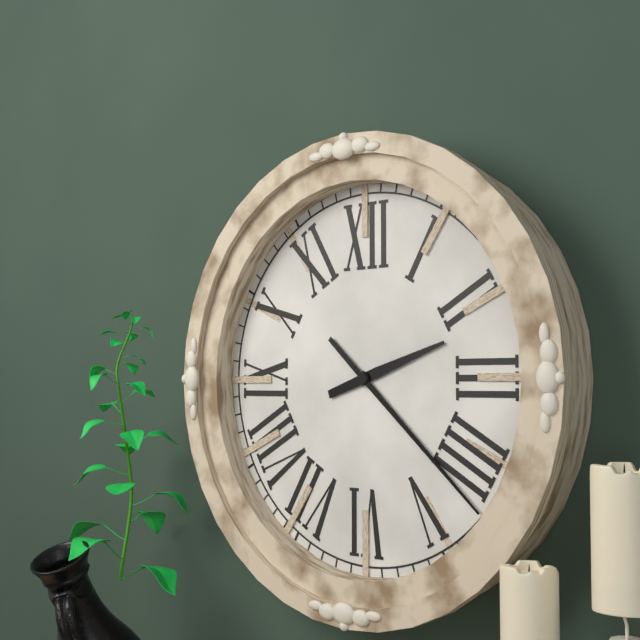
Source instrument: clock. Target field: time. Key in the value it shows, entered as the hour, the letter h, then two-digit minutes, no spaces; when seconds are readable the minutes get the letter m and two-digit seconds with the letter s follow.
2h22
